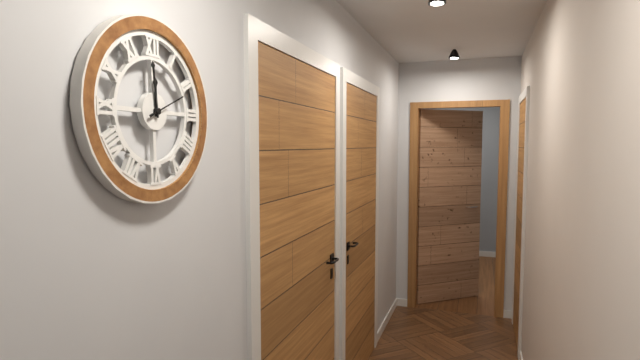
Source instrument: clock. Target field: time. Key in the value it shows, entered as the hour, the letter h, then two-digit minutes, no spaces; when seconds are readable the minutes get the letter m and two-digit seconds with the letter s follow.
11h59
